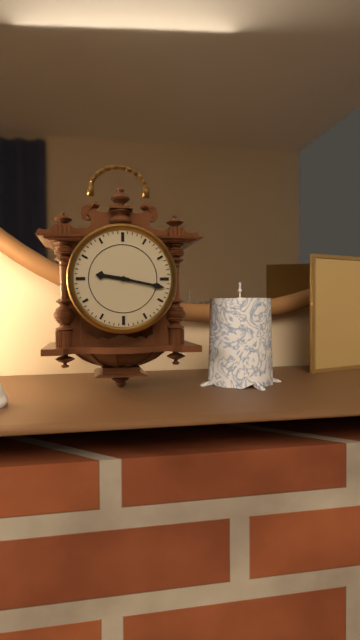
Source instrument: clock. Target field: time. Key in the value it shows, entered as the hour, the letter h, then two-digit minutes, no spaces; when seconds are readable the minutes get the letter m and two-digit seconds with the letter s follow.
9h17
